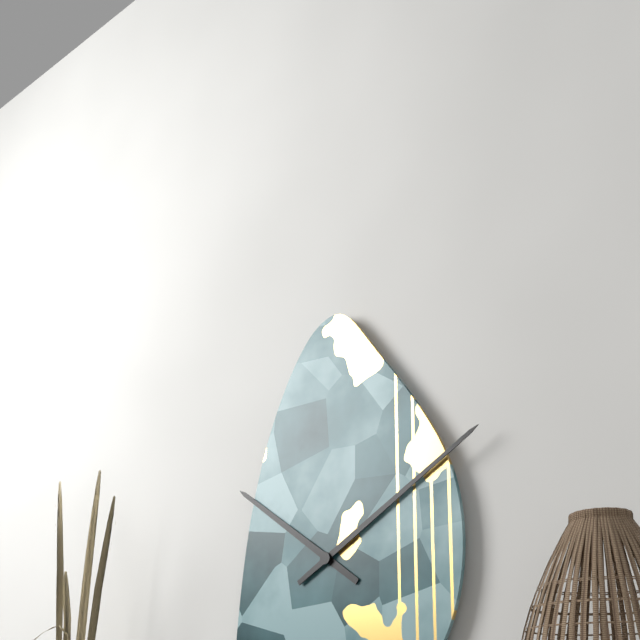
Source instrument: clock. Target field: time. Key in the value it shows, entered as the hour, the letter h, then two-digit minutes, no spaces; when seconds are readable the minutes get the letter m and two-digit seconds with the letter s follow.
10h10
